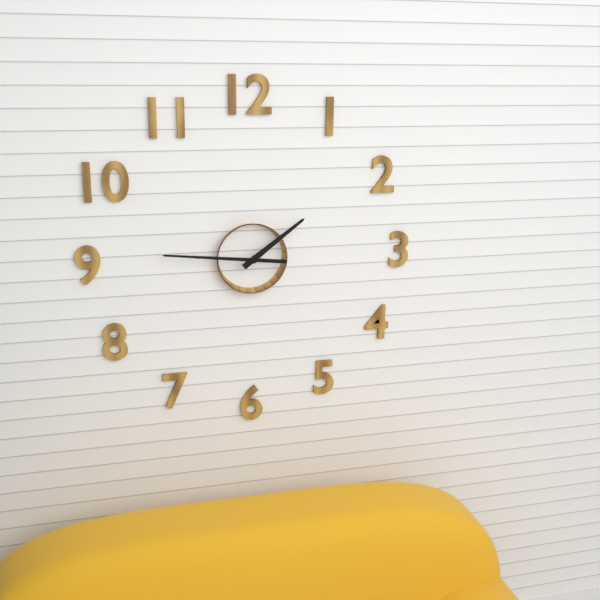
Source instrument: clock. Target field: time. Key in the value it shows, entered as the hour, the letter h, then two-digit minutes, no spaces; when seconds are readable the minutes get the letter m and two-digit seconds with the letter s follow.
1h46
